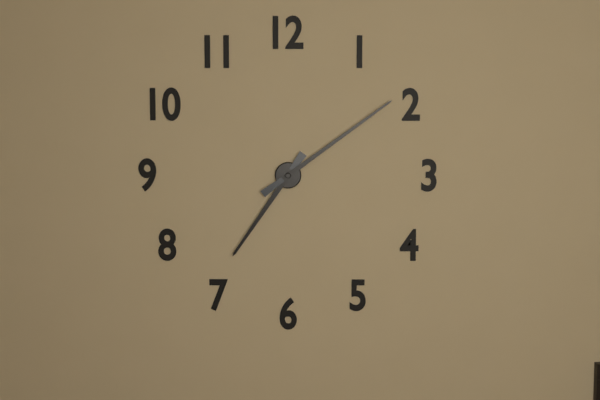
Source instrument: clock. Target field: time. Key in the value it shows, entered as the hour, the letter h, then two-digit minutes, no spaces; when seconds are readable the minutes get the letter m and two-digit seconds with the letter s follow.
7h09
